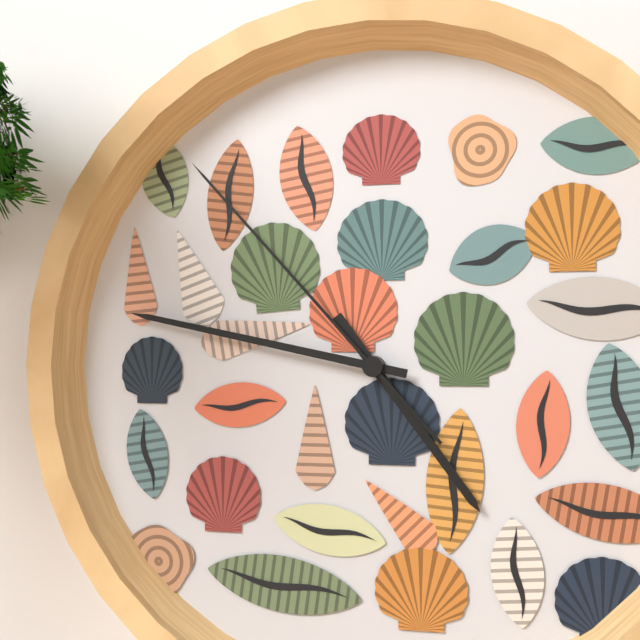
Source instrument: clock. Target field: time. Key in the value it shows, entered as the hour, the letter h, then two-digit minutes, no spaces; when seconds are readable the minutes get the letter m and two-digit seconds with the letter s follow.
4h47m53s
